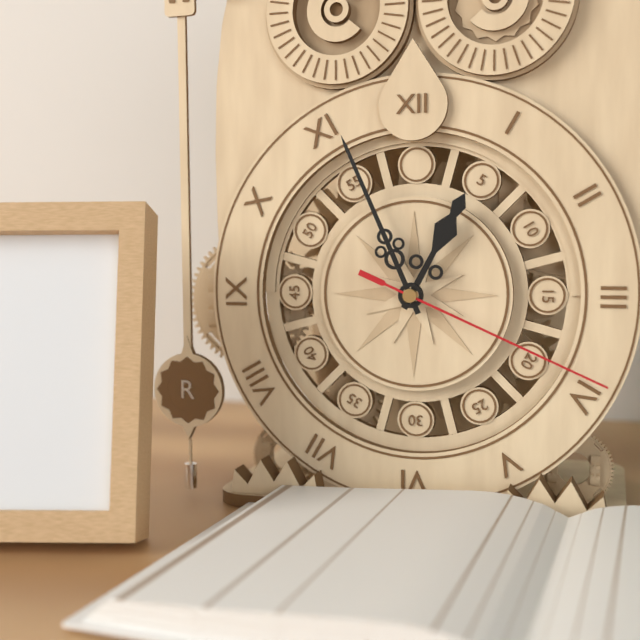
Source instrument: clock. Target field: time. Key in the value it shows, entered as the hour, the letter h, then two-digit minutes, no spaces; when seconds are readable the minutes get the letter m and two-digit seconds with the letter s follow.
12h56m19s
